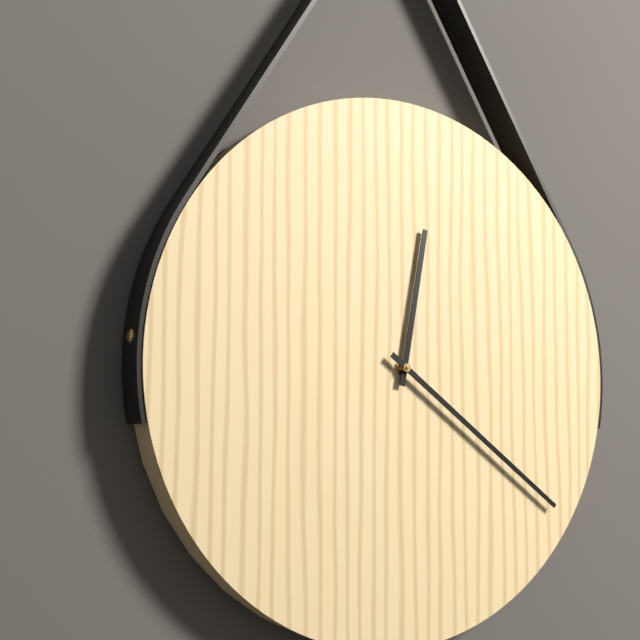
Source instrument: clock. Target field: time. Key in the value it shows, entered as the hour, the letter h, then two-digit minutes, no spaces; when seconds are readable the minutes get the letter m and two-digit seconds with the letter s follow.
12h21
